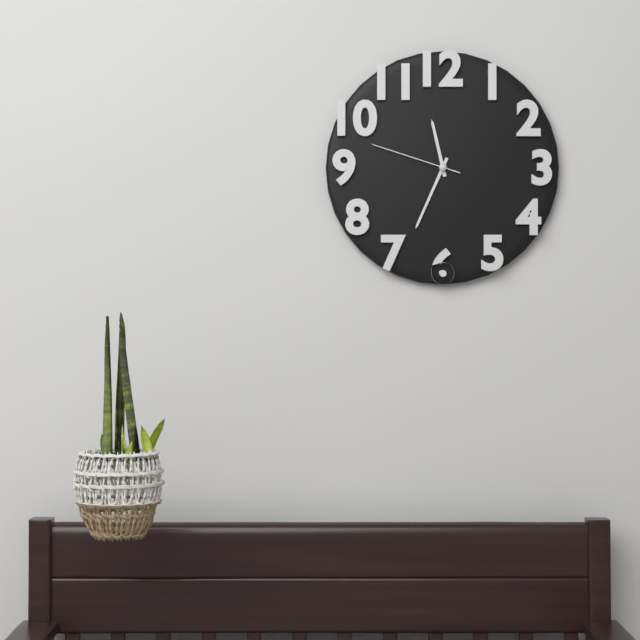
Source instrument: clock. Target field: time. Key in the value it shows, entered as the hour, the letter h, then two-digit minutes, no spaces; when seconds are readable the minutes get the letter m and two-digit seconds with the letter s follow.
11h34m48s
